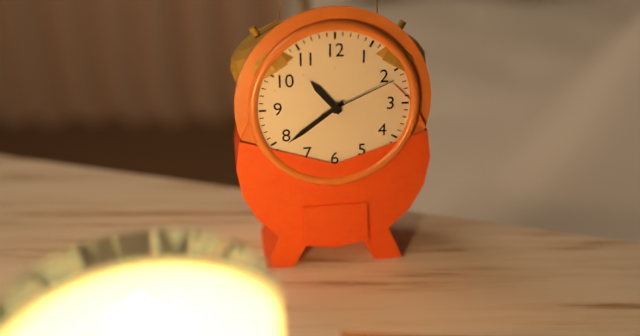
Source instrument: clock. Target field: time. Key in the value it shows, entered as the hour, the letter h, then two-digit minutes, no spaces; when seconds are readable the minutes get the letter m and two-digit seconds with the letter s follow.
10h39m11s
